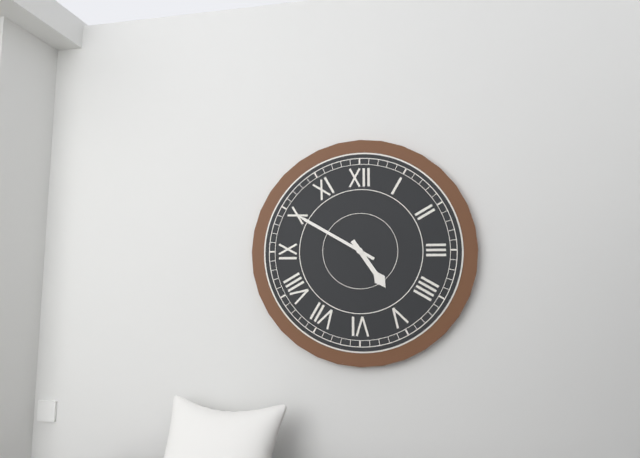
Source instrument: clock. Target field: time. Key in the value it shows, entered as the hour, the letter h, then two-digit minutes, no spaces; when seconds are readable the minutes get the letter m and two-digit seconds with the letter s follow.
4h50
